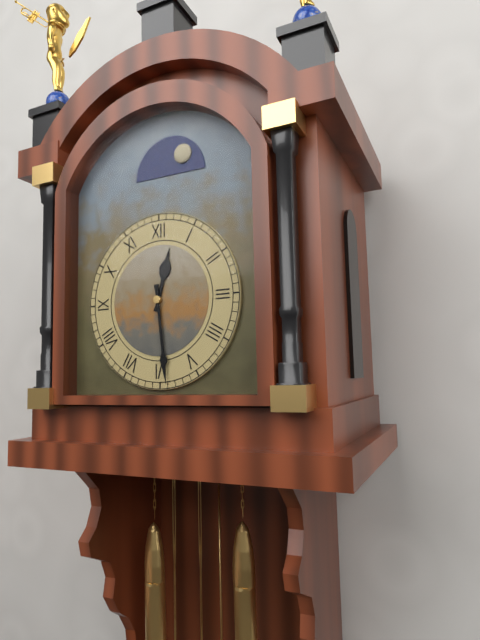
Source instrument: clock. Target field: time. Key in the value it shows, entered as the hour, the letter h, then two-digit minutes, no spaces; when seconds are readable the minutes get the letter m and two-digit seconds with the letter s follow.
12h29
